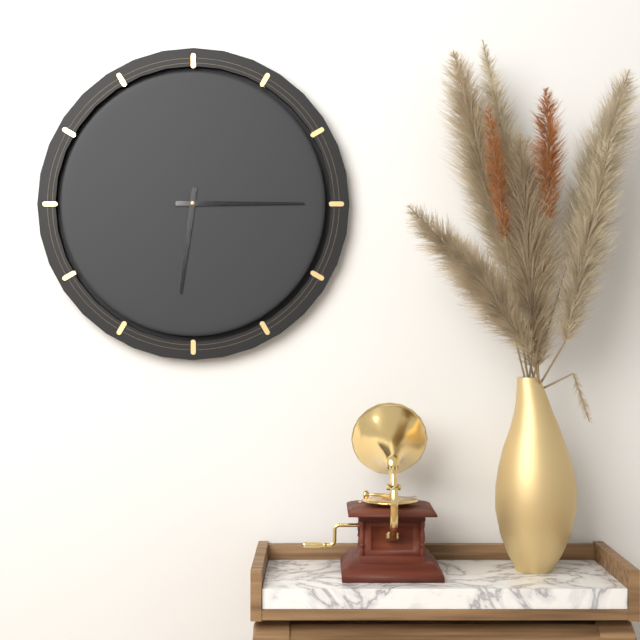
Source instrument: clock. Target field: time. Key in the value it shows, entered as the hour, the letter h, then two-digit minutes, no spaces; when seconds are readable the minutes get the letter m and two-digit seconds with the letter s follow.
6h15
